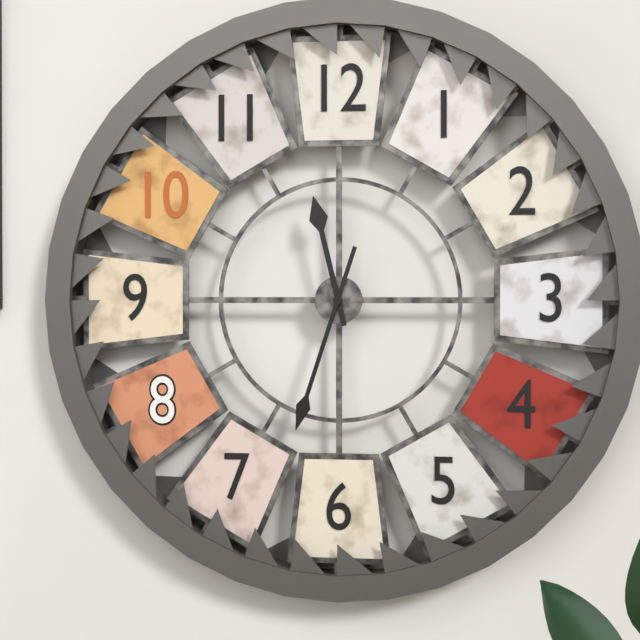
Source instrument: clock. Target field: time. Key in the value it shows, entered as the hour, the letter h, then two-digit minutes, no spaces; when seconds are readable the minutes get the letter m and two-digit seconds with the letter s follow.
11h33
